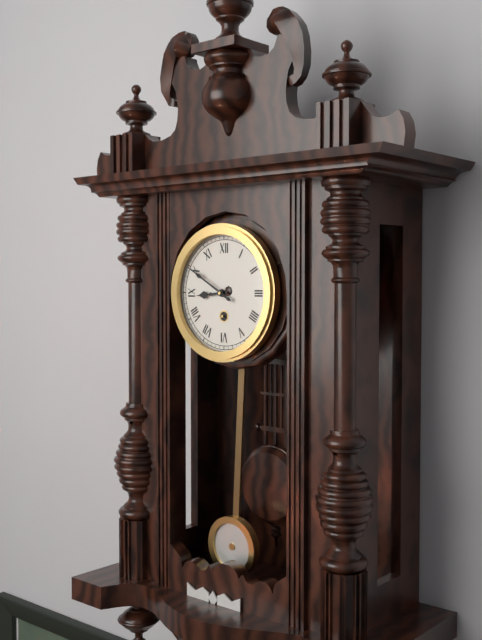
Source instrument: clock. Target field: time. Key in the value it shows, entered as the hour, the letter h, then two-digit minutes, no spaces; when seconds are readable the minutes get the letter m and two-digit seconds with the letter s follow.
8h50
